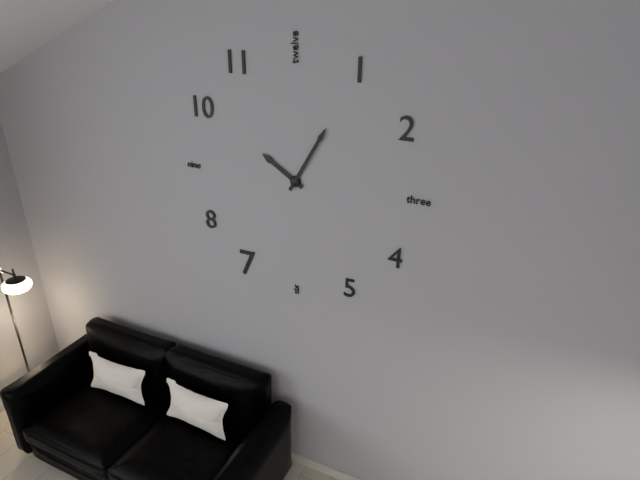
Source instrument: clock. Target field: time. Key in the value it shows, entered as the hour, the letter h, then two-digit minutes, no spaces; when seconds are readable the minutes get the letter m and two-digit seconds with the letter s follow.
10h05
